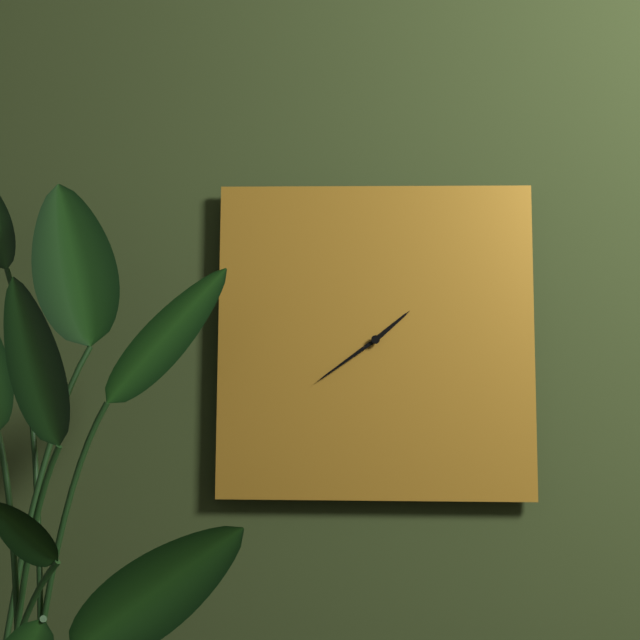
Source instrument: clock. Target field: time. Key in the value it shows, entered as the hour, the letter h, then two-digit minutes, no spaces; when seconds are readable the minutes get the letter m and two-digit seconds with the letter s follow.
1h39
